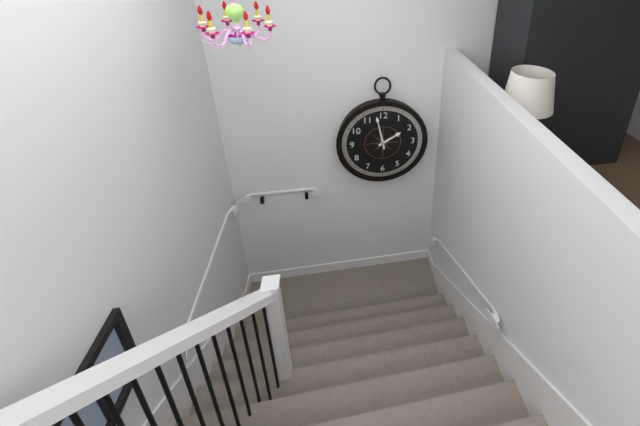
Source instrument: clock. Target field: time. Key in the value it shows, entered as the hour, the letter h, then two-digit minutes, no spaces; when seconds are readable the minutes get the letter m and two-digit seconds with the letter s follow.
1h58
